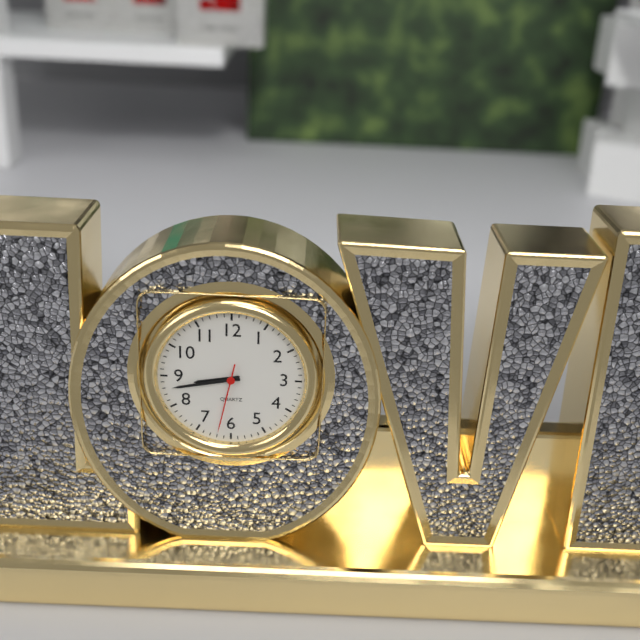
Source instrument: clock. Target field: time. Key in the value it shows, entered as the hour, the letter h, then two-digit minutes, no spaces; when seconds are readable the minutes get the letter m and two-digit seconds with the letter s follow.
8h43m32s
